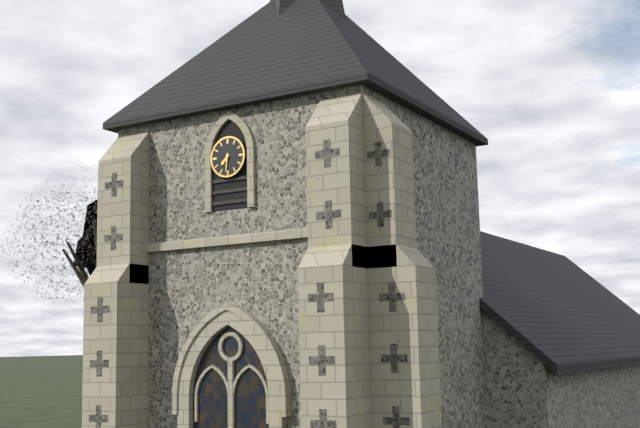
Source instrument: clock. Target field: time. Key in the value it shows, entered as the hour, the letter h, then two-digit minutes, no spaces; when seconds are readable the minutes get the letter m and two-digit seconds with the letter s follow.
7h31
